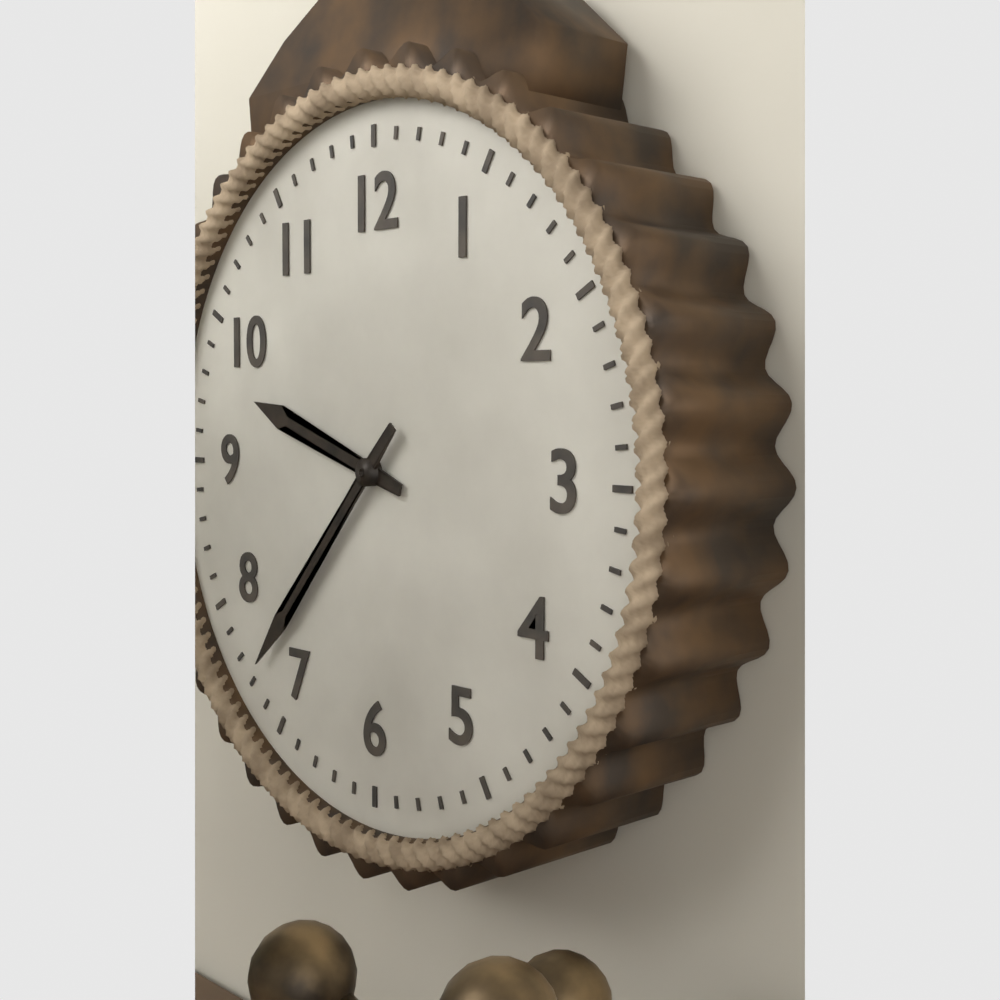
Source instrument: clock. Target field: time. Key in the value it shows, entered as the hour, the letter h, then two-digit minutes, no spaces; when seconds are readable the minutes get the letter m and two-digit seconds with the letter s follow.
9h37
